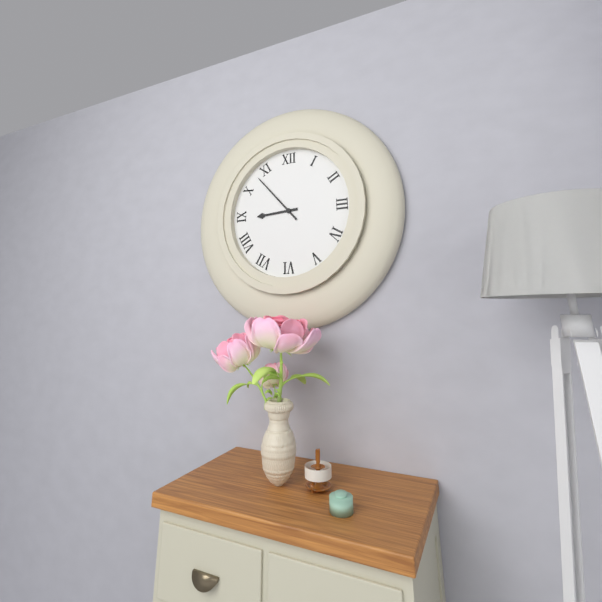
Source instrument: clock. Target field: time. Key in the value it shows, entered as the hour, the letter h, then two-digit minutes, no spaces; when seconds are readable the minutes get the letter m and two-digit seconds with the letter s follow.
8h53
